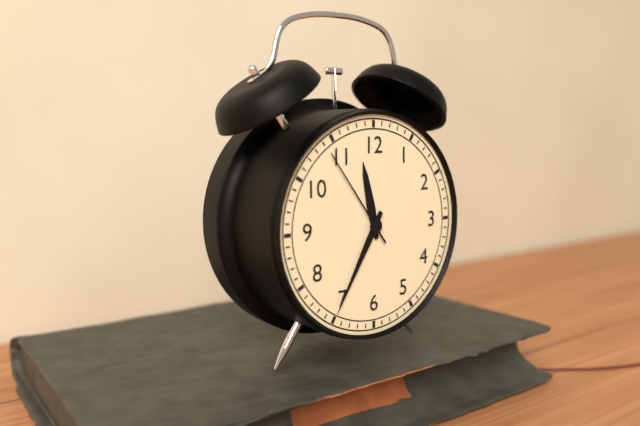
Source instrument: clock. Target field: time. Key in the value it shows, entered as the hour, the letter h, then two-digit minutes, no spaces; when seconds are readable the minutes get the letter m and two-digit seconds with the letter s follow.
11h35m54s
